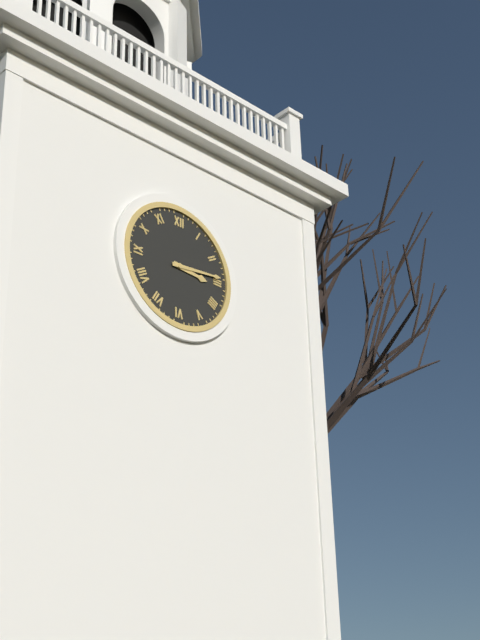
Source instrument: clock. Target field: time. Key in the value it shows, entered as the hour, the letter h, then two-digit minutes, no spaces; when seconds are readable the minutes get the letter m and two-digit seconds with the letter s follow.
3h14
